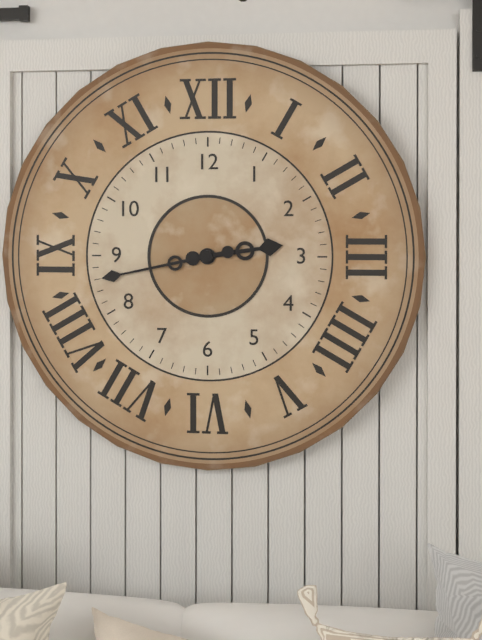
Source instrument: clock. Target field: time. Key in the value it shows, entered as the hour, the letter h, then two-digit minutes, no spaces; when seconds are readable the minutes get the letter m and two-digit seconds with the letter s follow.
2h43
